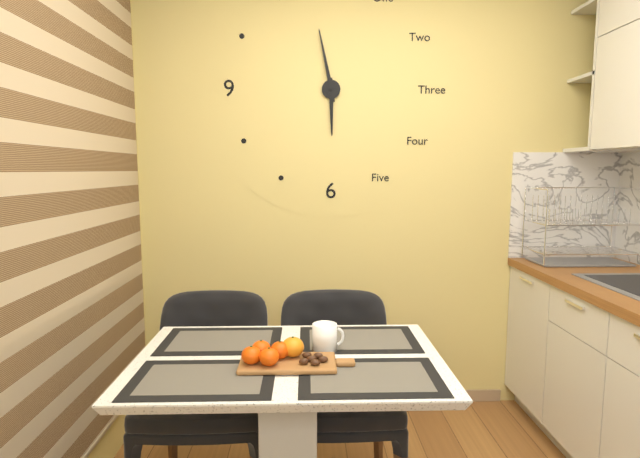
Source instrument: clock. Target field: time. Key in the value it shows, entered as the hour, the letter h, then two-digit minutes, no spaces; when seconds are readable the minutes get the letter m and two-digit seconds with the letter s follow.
5h58
